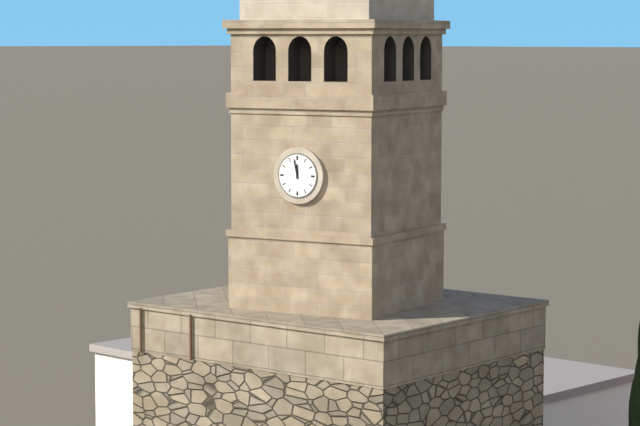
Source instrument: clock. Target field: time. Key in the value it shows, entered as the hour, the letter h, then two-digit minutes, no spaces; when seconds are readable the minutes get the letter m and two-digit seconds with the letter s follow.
11h58
